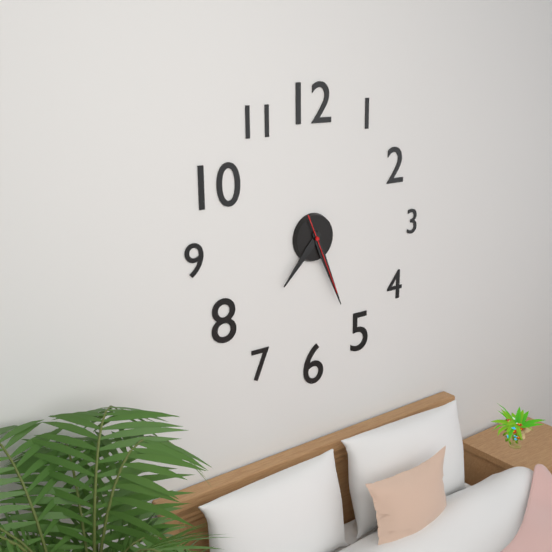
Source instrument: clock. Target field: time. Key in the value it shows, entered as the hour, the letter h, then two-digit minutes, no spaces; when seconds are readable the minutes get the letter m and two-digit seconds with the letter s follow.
7h26m26s
